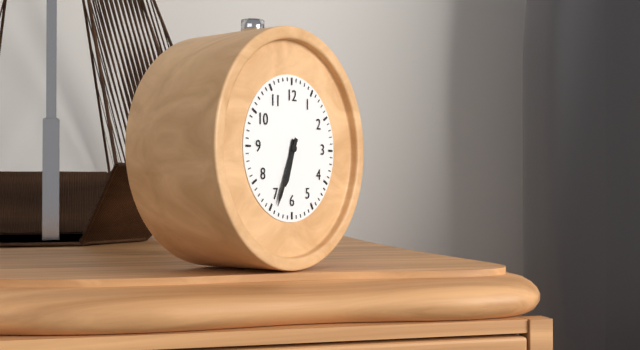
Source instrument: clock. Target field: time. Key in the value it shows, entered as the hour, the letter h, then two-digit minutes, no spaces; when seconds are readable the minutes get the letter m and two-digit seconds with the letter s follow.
6h34
